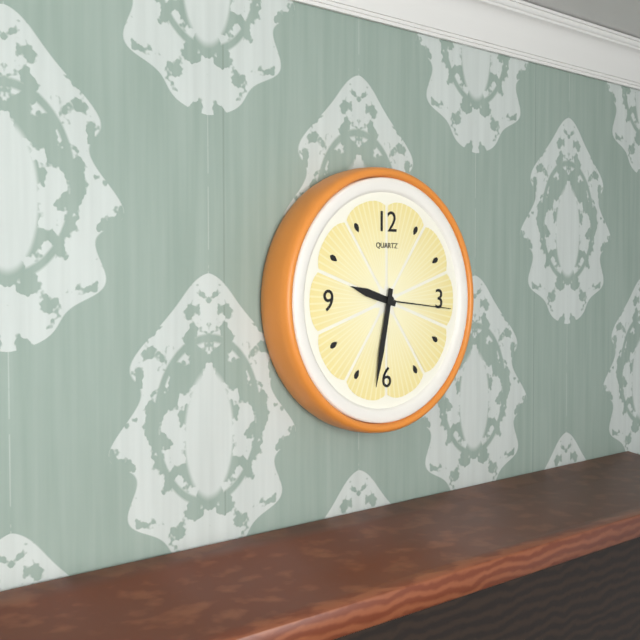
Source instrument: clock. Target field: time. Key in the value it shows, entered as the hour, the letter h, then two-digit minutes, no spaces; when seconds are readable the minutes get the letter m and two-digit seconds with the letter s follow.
9h32m16s
